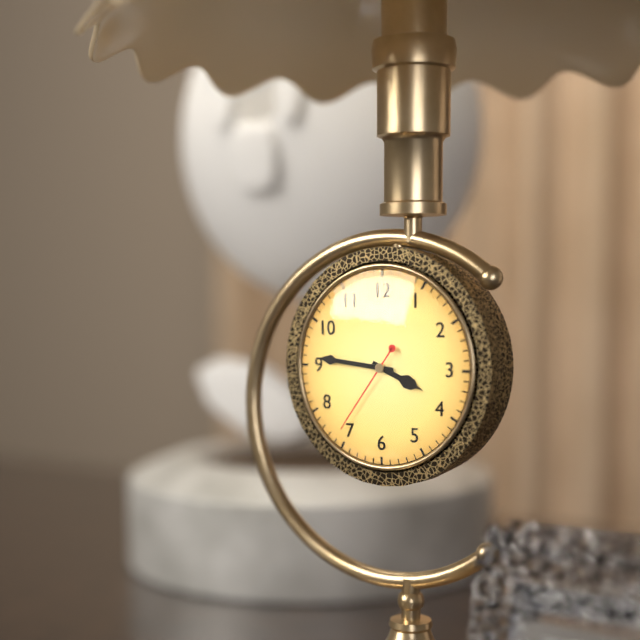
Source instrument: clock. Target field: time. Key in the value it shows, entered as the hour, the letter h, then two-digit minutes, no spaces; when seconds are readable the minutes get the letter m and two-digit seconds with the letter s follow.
3h46m36s
